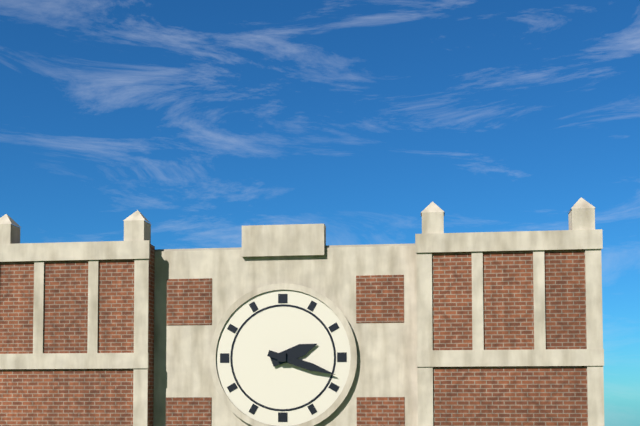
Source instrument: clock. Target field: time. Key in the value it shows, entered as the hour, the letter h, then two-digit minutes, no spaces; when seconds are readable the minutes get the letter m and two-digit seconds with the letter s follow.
2h18
